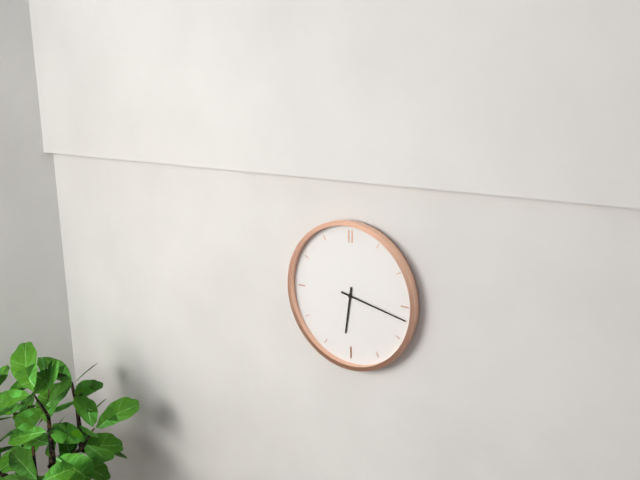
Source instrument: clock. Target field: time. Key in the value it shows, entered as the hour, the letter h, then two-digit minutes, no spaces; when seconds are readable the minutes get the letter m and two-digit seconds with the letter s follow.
6h17
